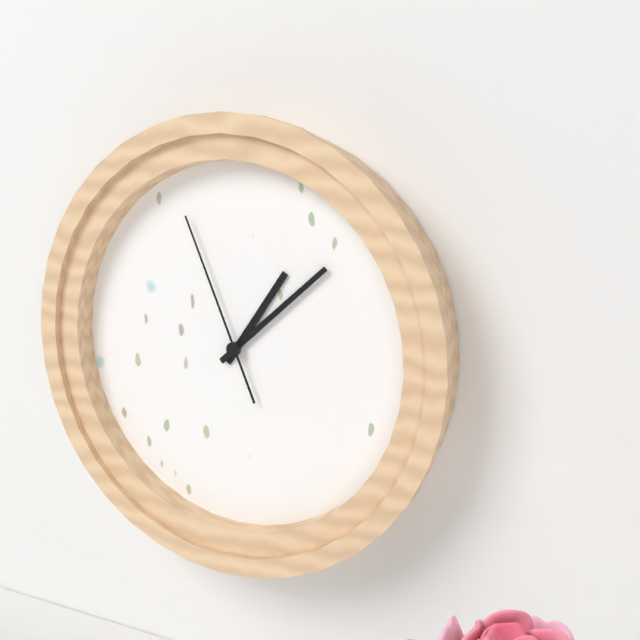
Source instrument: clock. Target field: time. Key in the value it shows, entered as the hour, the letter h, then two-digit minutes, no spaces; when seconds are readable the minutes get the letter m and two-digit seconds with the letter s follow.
1h08m56s
